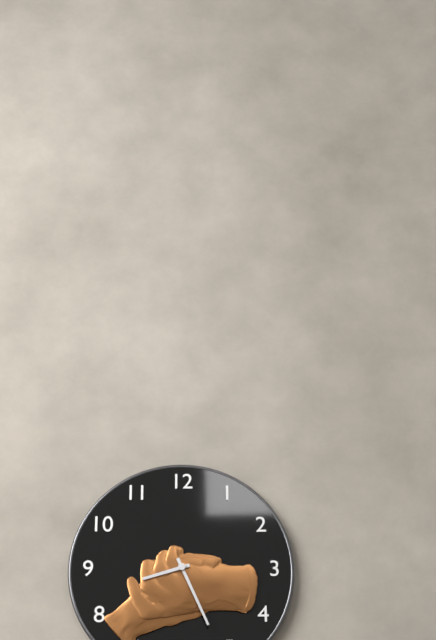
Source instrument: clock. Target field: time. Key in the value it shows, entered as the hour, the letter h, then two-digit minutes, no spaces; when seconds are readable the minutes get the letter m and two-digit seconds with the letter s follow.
8h26
